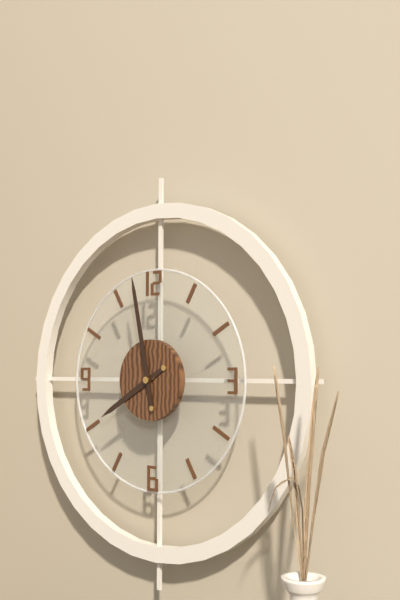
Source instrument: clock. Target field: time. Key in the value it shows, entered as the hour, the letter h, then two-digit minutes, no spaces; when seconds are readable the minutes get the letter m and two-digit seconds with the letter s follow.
7h58
